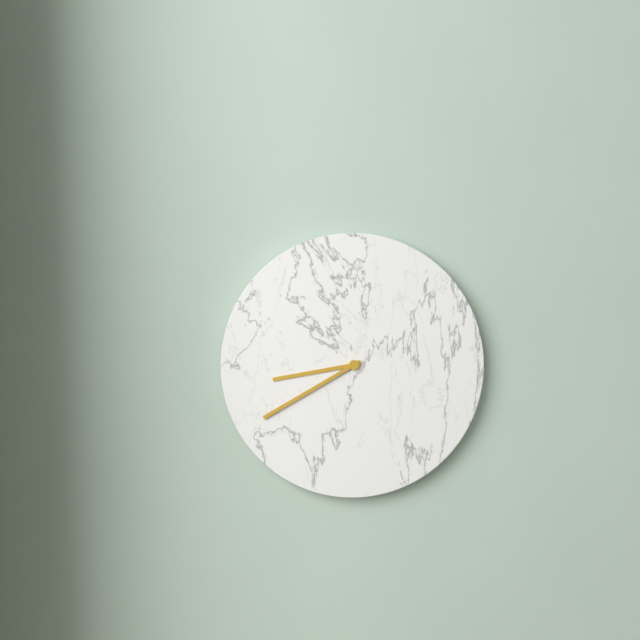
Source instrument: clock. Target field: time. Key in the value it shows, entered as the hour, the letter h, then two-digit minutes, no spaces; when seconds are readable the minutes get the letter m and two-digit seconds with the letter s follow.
8h40
